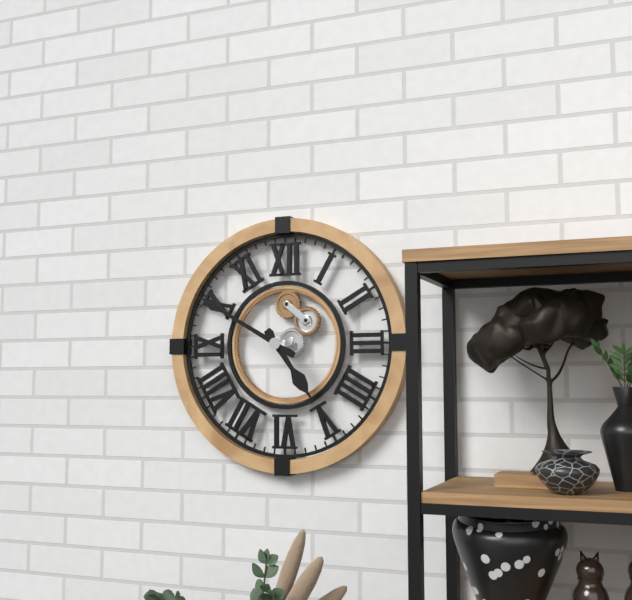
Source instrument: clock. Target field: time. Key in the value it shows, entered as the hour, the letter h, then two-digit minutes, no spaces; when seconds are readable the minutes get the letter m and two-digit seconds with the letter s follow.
4h50
